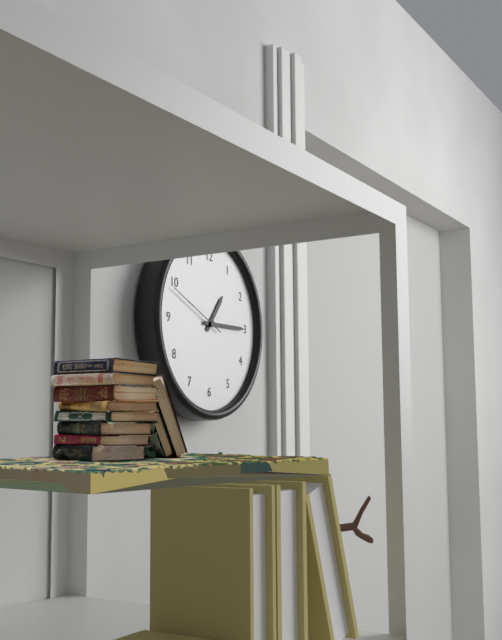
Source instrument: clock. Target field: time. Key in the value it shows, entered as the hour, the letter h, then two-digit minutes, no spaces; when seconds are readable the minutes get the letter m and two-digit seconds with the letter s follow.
1h15m49s
